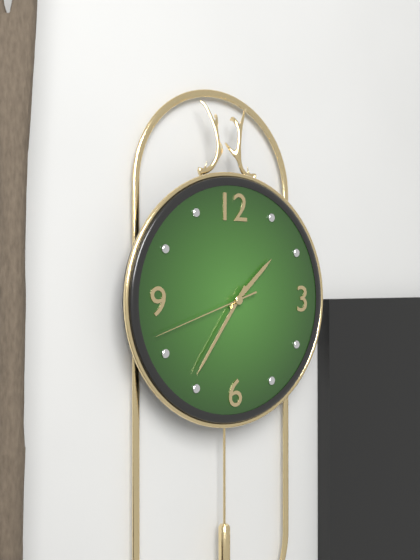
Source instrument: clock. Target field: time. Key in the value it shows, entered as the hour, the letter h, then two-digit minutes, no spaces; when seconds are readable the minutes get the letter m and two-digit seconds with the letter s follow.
1h36m42s
